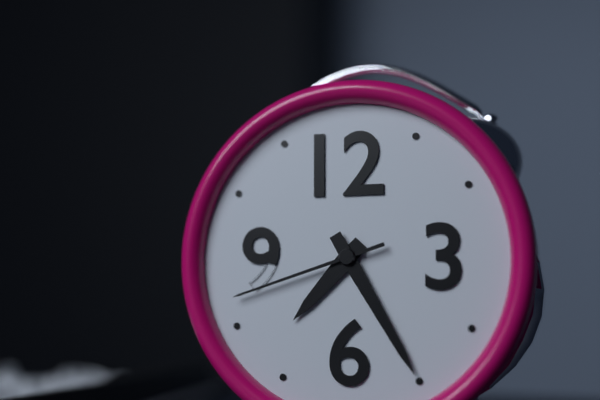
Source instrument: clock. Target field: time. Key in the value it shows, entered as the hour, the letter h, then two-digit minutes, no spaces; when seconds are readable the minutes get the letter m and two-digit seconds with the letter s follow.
7h25m42s
